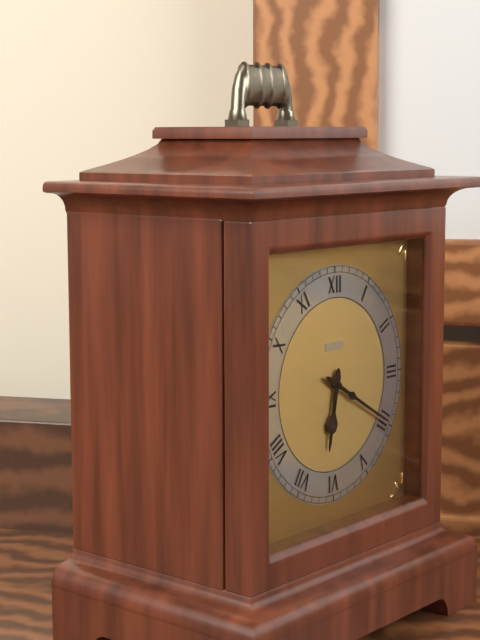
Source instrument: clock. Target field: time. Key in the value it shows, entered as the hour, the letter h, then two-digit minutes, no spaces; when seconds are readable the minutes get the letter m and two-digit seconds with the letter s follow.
6h20
